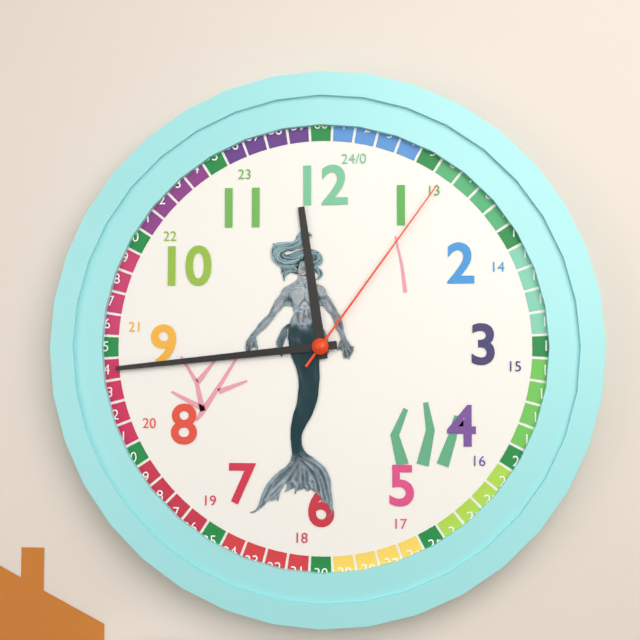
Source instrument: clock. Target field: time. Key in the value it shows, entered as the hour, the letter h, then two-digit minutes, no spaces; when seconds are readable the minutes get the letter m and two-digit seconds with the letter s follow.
11h44m06s
